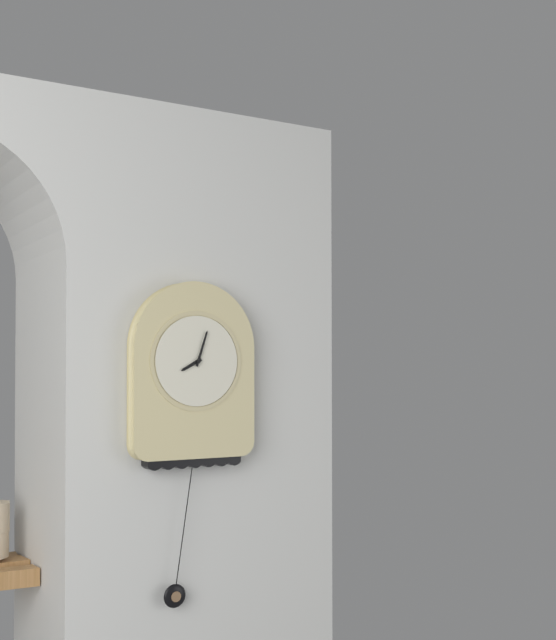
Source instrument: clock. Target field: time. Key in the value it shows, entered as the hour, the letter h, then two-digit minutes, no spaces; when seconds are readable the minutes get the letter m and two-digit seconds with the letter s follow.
8h03
